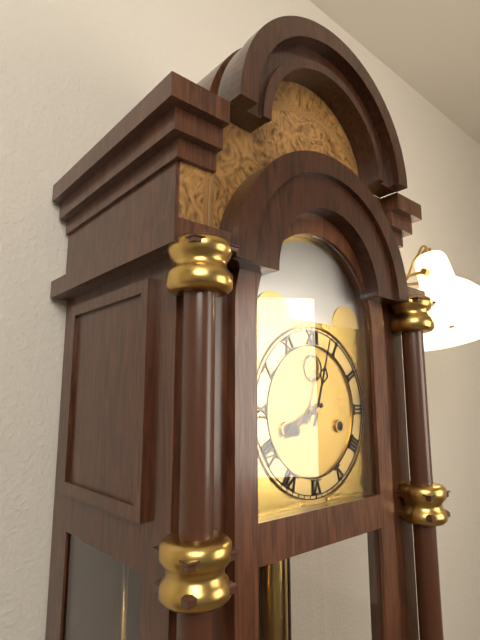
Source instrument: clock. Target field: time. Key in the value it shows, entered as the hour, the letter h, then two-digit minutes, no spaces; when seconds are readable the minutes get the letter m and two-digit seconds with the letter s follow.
8h03
